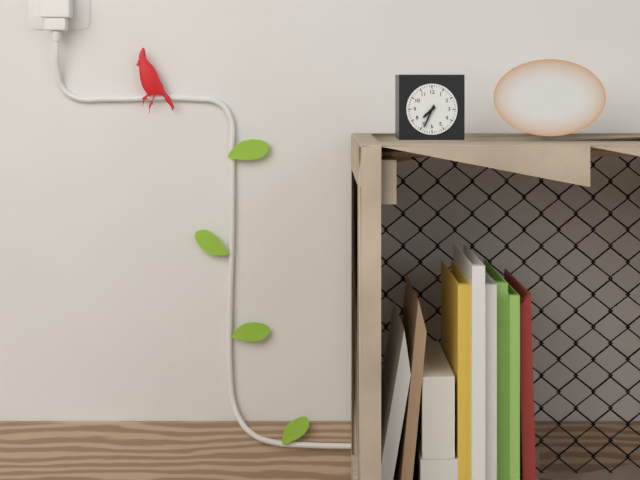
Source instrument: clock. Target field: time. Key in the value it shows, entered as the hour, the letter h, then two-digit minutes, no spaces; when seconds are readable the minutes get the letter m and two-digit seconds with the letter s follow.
7h34
